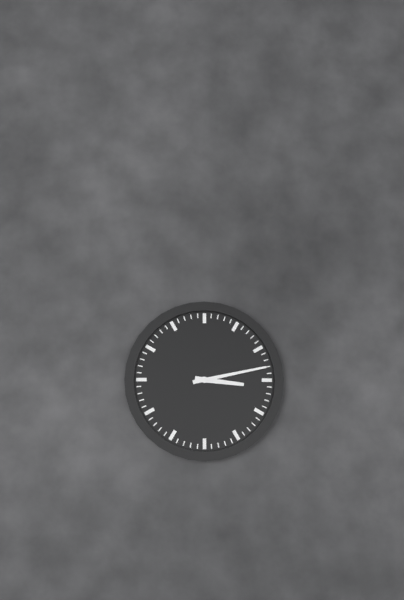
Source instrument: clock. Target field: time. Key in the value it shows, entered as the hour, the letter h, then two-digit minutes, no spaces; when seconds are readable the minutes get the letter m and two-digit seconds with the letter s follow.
3h13
